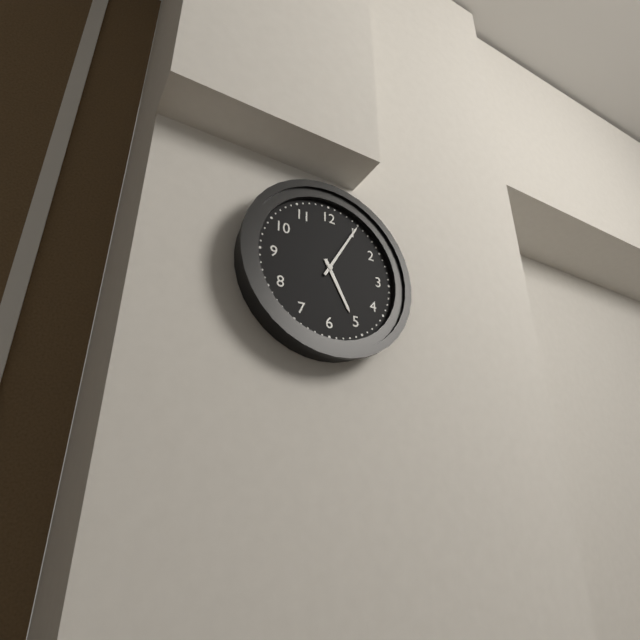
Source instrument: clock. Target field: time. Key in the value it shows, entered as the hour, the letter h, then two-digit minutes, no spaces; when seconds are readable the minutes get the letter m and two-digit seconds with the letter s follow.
5h05
